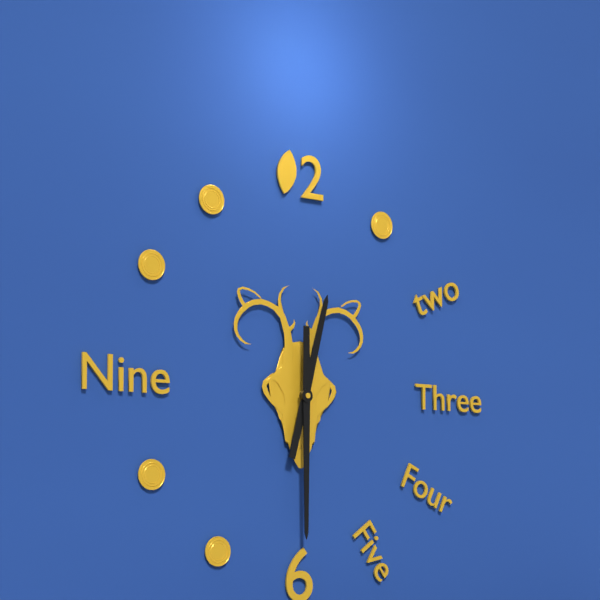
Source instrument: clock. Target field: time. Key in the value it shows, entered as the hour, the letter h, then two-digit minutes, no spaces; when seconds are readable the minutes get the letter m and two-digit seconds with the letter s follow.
12h30
